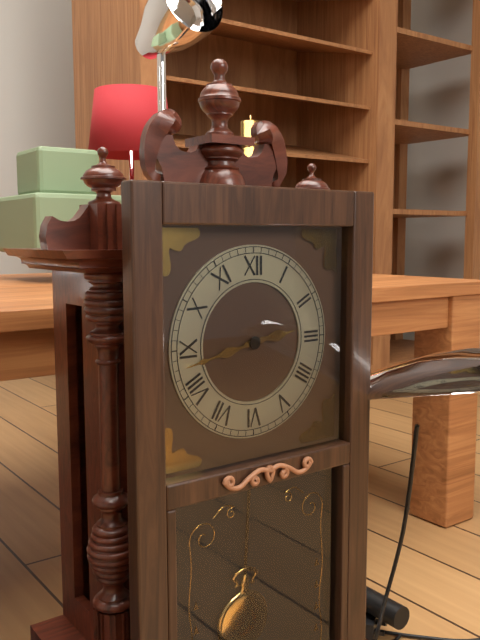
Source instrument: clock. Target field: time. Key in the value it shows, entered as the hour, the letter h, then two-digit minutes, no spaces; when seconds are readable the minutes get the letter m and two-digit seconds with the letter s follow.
2h43
